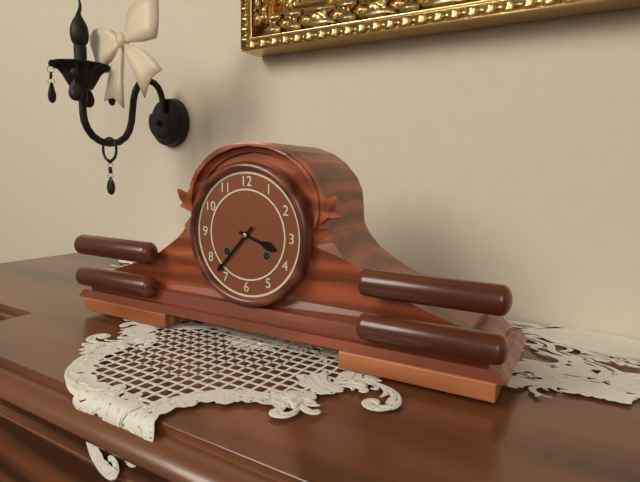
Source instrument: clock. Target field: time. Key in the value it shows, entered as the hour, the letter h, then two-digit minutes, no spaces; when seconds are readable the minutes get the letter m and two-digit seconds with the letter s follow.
3h37
